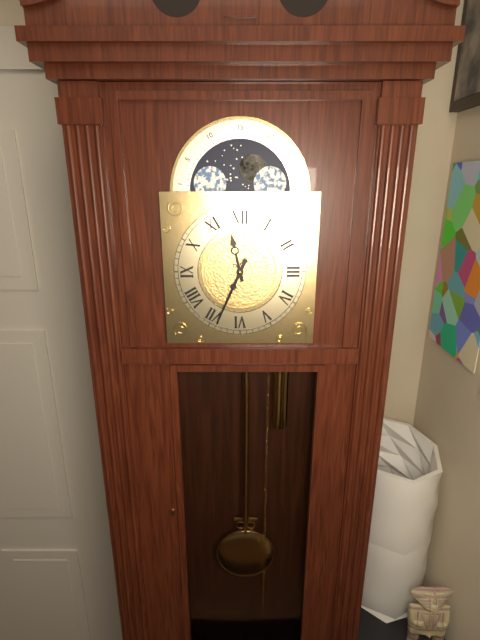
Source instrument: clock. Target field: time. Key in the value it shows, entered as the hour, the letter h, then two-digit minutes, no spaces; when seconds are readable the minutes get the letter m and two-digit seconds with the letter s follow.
11h34
